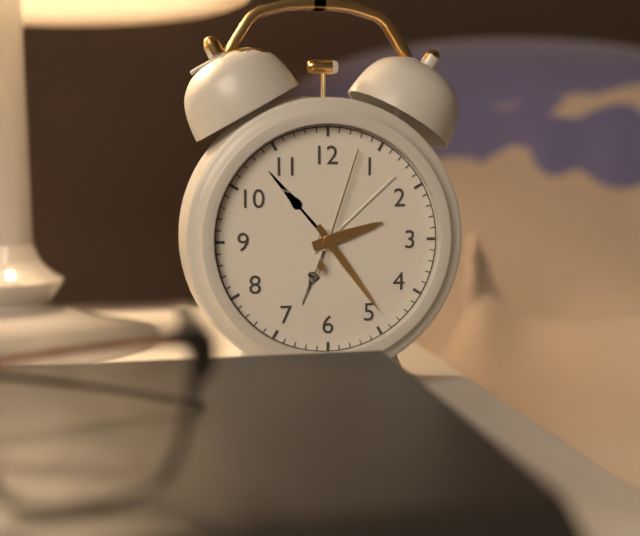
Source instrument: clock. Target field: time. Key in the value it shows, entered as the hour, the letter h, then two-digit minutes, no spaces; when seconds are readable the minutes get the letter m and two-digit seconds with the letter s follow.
2h24m03s
